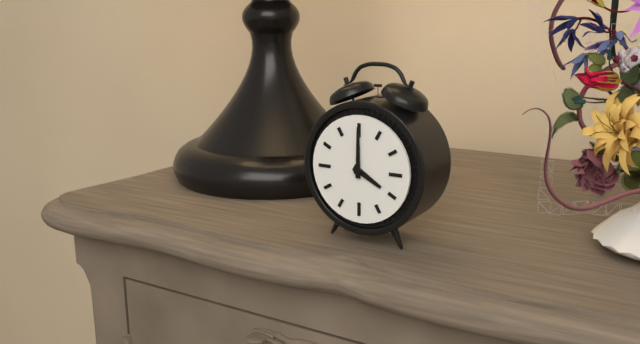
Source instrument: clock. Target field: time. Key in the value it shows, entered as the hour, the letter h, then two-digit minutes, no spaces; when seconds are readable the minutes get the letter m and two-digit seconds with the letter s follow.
4h00
